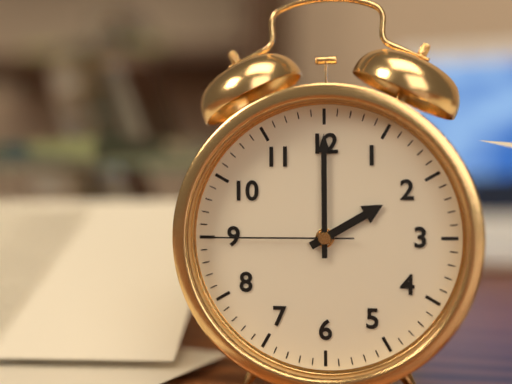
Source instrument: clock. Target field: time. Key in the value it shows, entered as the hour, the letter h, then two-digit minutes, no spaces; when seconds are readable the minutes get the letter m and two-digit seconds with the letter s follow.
2h00m45s
